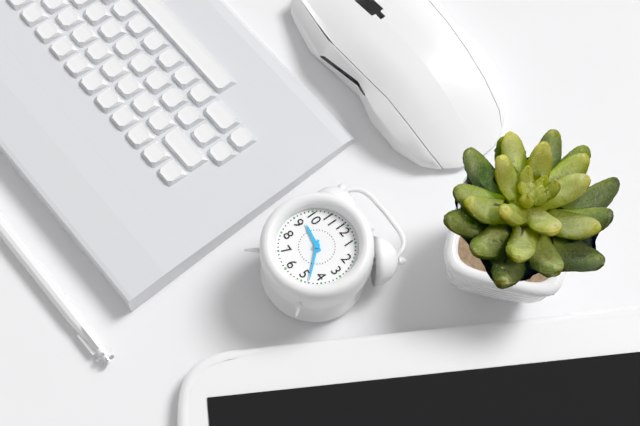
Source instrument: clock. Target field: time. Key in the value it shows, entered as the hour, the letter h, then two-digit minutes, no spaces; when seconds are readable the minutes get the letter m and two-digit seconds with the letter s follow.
9h23
